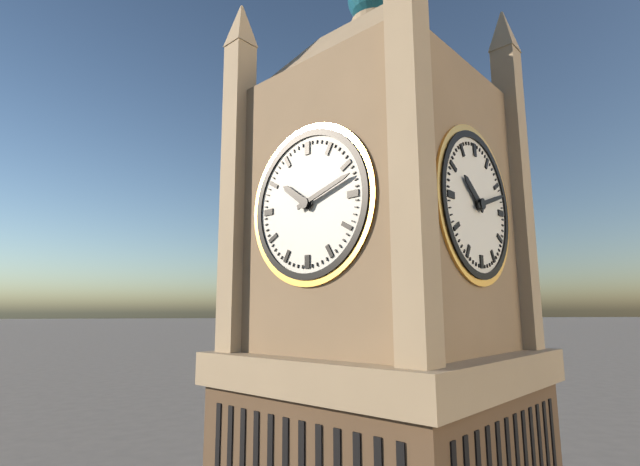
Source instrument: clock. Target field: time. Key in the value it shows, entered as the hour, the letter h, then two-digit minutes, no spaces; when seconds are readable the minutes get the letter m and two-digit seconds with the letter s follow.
10h12
